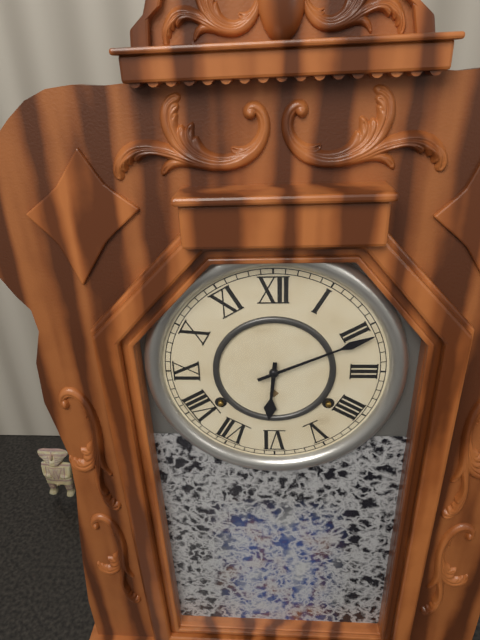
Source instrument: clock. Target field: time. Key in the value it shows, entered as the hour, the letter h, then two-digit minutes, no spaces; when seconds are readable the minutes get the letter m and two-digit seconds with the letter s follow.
6h11
